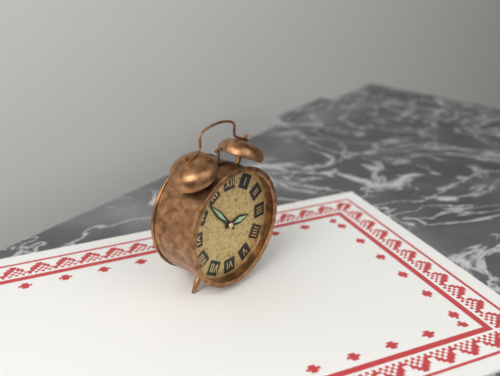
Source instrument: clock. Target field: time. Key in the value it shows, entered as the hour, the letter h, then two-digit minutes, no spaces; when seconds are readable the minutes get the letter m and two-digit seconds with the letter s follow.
2h53
